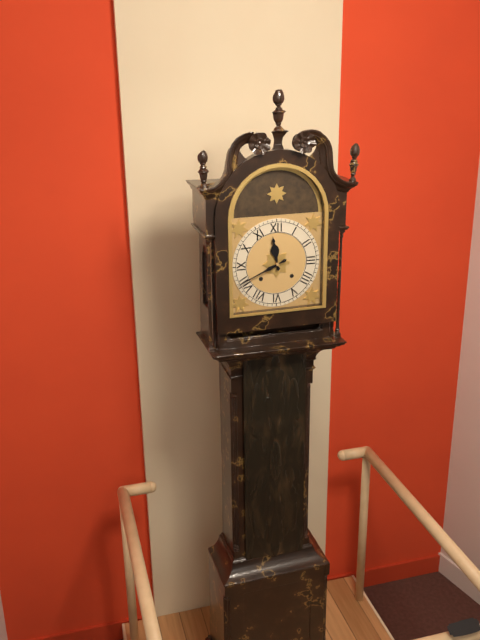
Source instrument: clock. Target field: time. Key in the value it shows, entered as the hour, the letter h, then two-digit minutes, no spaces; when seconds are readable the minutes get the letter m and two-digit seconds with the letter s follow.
11h41
